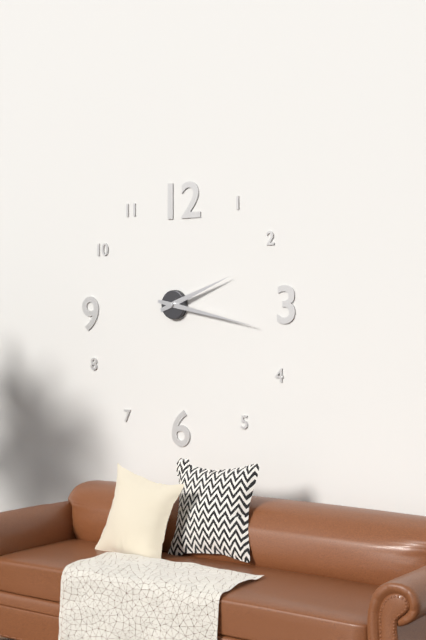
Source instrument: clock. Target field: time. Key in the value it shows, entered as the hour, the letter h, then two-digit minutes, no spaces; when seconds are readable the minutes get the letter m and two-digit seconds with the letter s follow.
2h17
